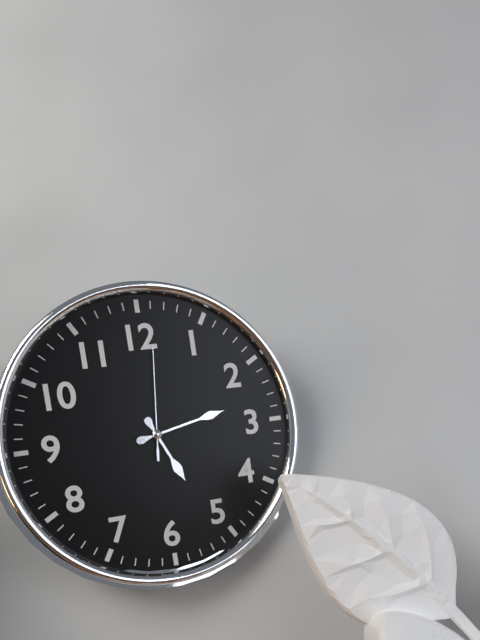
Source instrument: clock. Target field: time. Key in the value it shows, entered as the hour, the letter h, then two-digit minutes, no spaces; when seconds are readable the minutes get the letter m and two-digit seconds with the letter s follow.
5h13m01s
